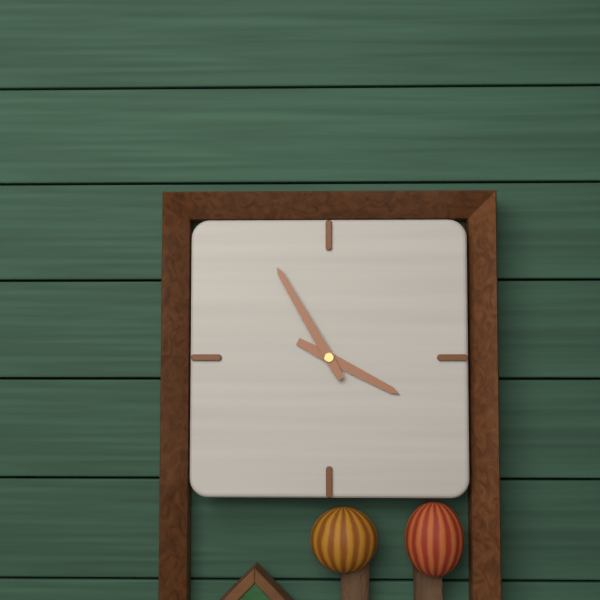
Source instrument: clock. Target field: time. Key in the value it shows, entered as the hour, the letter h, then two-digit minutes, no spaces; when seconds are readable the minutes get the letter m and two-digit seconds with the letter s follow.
3h55
